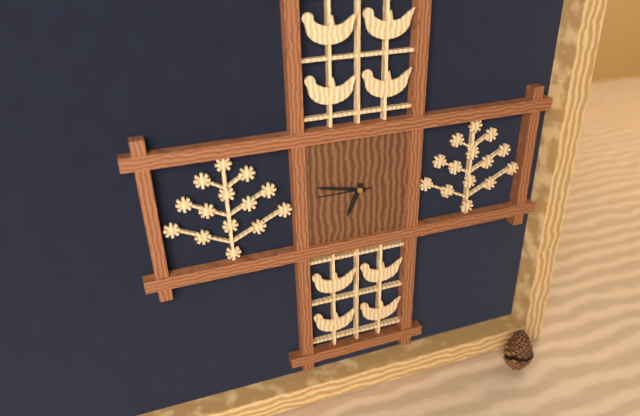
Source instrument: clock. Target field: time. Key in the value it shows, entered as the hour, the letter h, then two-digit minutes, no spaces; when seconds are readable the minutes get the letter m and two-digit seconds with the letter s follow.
6h47
